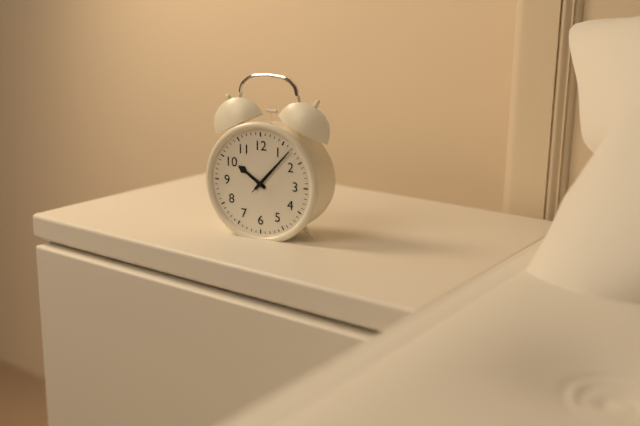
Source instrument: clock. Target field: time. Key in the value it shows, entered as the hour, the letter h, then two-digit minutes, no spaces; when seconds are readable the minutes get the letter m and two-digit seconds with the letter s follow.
10h07m07s
